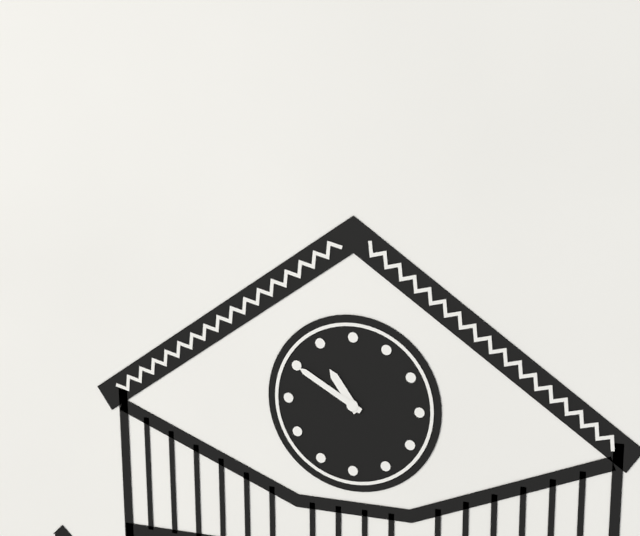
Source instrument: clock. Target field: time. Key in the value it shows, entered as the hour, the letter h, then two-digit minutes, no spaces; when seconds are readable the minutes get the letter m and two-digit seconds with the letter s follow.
10h50
